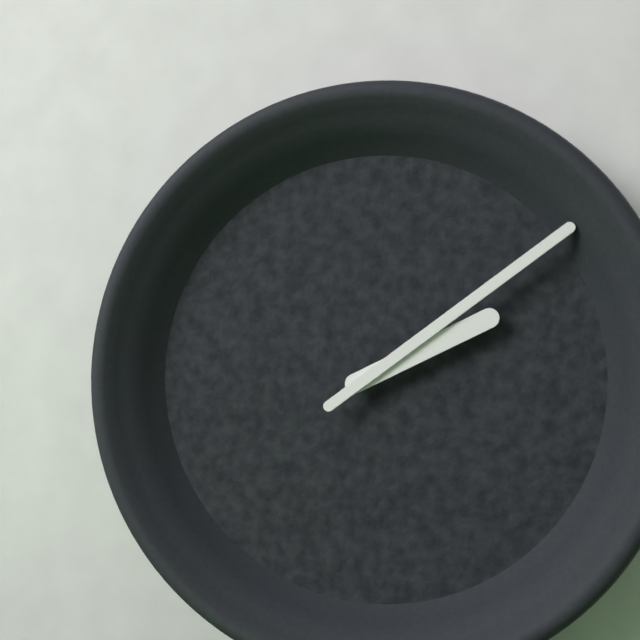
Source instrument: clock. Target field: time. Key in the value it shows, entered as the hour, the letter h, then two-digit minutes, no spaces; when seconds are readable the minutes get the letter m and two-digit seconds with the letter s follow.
2h09
